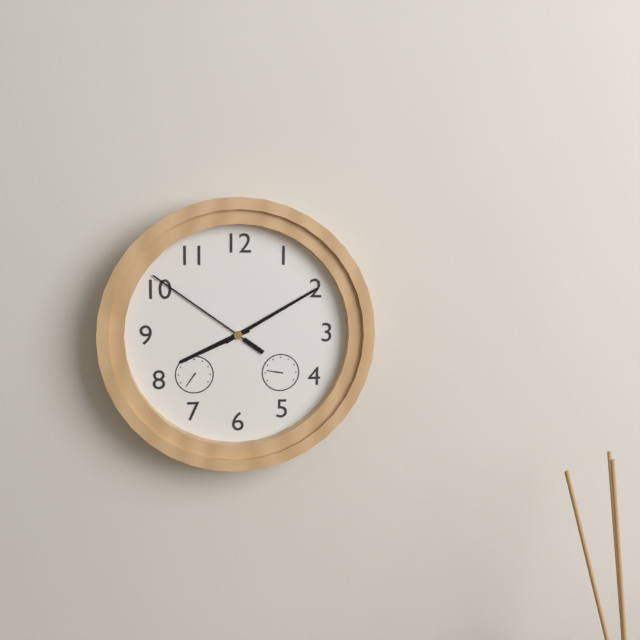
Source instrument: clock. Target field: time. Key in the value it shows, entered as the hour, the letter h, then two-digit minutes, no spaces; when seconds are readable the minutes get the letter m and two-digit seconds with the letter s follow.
8h10m51s
